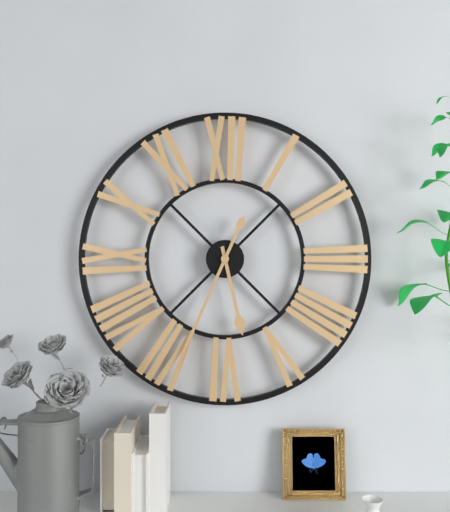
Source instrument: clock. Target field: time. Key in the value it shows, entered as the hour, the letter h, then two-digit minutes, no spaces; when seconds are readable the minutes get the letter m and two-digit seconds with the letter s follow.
5h34
